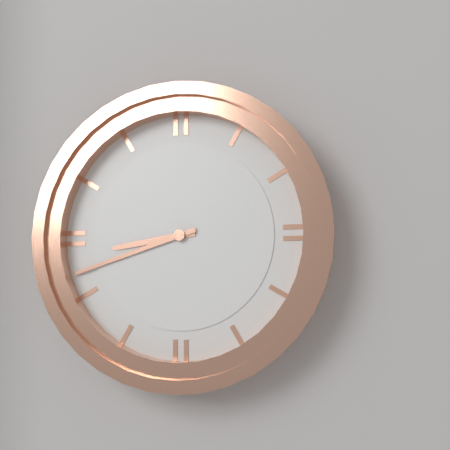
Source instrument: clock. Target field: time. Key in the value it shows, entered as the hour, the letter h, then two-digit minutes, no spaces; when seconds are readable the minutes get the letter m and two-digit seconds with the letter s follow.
8h42
